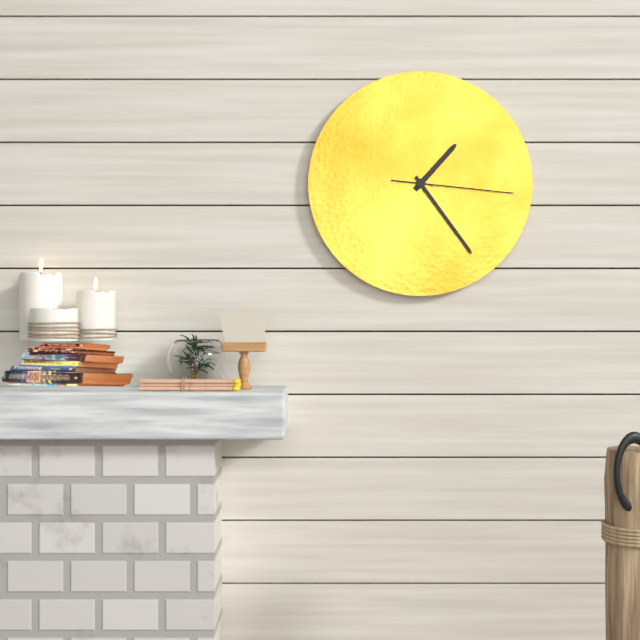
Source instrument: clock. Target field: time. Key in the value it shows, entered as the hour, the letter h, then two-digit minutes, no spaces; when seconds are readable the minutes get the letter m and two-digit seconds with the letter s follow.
1h24m16s
